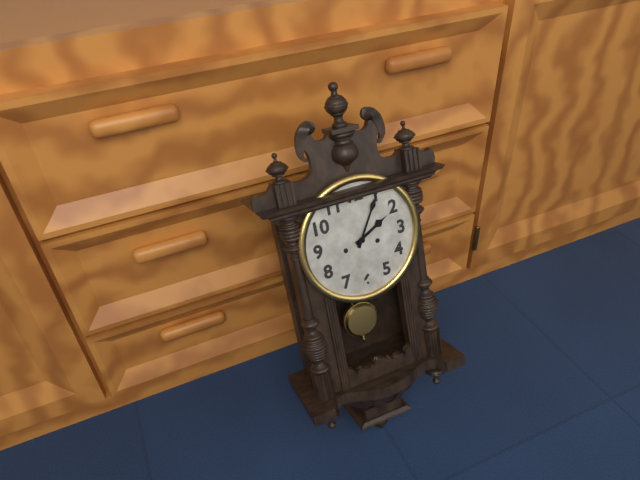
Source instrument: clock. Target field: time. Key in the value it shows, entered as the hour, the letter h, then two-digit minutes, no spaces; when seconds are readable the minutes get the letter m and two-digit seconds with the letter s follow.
2h05
